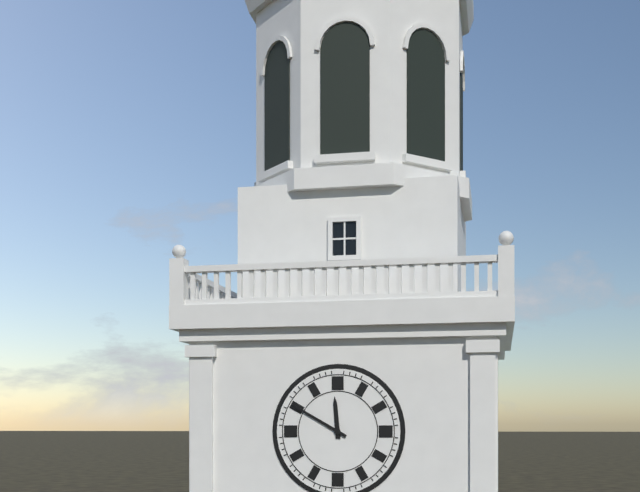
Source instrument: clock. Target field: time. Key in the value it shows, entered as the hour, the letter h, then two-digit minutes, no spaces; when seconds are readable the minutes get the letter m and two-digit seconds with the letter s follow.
11h50
